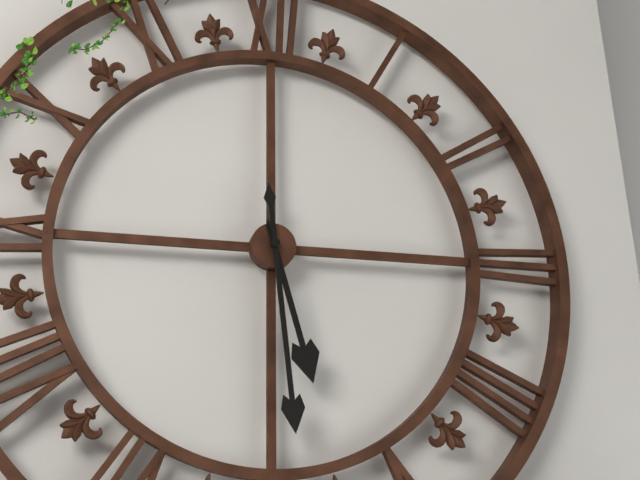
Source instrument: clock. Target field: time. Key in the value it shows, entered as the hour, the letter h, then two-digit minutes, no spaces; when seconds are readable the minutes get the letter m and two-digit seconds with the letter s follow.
5h29
